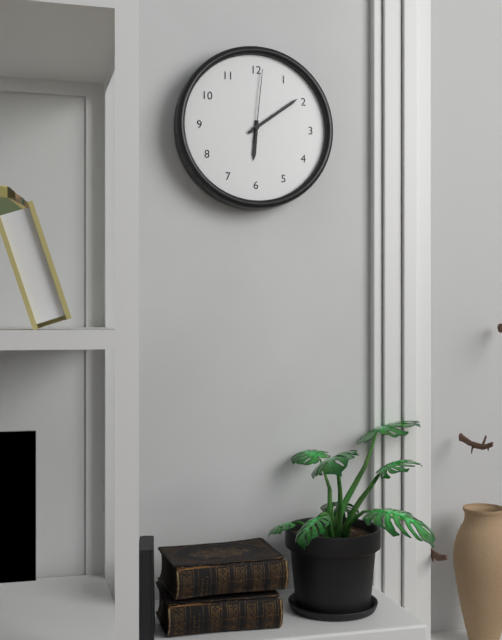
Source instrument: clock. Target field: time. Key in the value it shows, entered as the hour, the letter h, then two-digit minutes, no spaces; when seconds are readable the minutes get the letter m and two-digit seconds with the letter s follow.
6h09m01s
